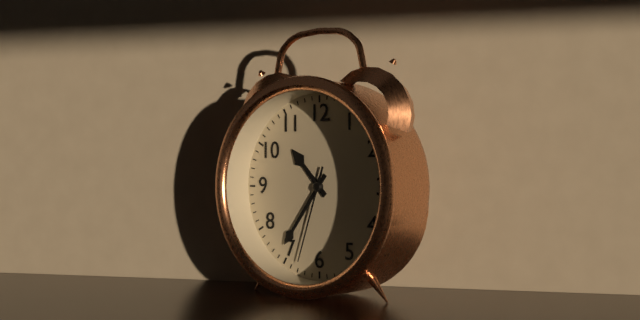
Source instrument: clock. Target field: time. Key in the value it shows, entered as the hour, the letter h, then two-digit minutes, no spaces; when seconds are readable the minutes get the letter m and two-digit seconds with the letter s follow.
10h36m33s
